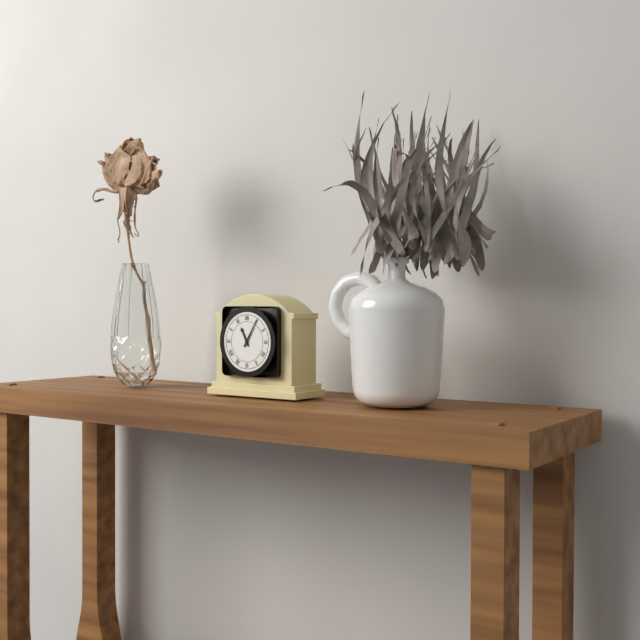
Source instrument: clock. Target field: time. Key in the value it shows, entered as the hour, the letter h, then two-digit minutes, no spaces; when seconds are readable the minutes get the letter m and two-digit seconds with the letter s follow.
11h05
